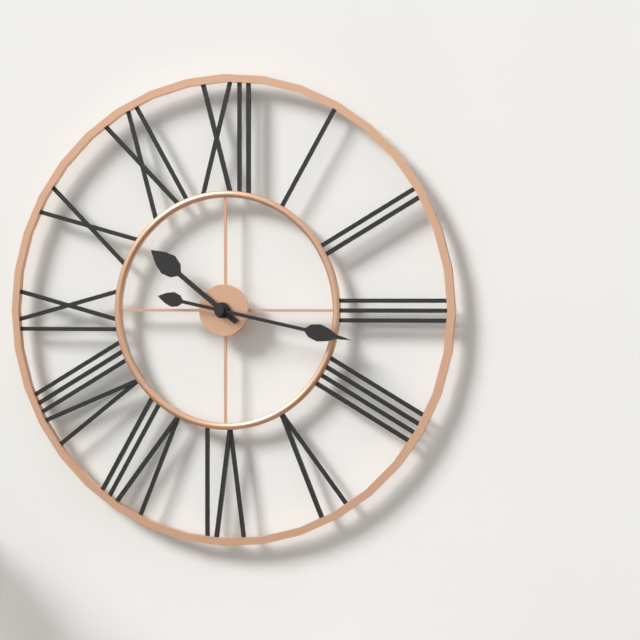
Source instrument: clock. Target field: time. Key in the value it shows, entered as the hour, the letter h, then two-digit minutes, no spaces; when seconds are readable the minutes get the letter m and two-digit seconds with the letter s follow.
10h17
